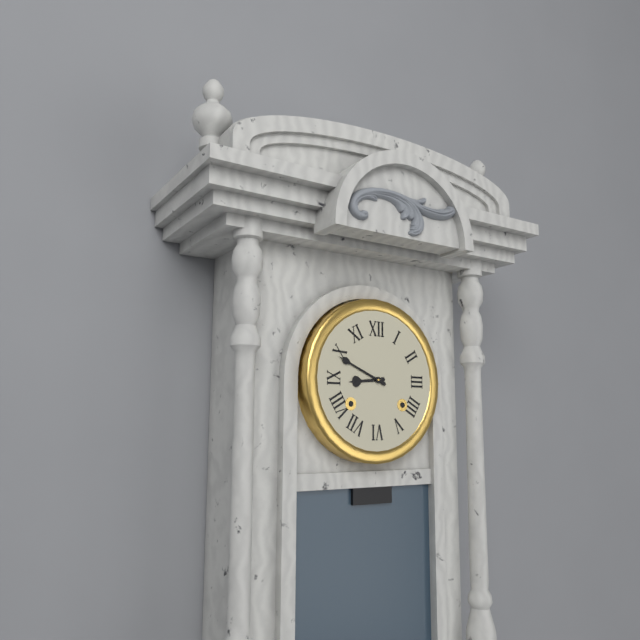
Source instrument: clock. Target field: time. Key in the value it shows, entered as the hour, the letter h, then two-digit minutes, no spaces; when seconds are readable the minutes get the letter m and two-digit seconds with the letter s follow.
8h49
